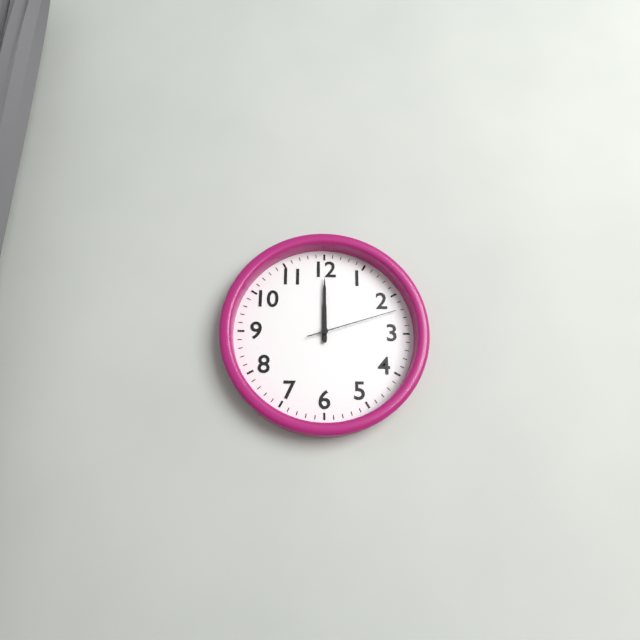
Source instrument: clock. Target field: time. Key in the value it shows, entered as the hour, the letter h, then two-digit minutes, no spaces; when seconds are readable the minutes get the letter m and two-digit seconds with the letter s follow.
12h00m12s
